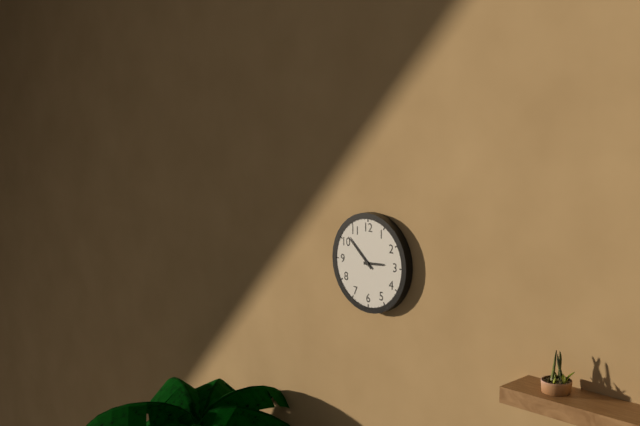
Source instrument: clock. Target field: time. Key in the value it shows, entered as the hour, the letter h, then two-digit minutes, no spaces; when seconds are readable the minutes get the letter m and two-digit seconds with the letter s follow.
2h52
